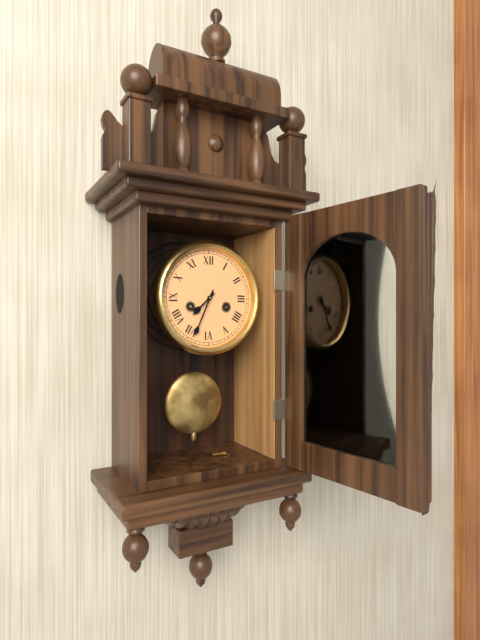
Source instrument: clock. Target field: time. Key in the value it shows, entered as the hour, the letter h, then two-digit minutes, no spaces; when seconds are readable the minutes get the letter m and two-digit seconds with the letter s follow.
7h34
